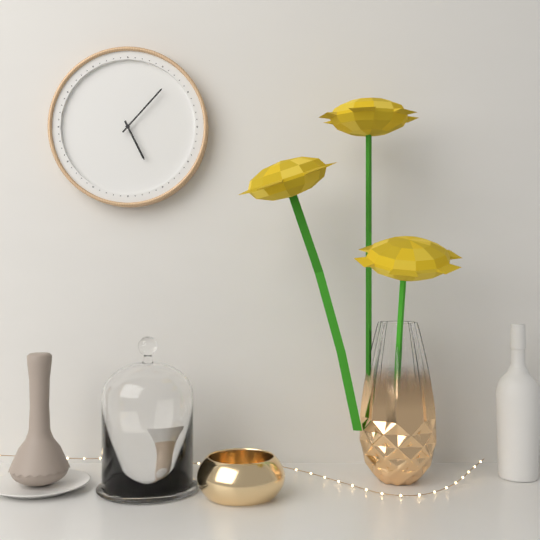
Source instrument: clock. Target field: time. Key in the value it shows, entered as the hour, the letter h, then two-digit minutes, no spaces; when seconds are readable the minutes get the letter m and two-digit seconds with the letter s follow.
5h07
